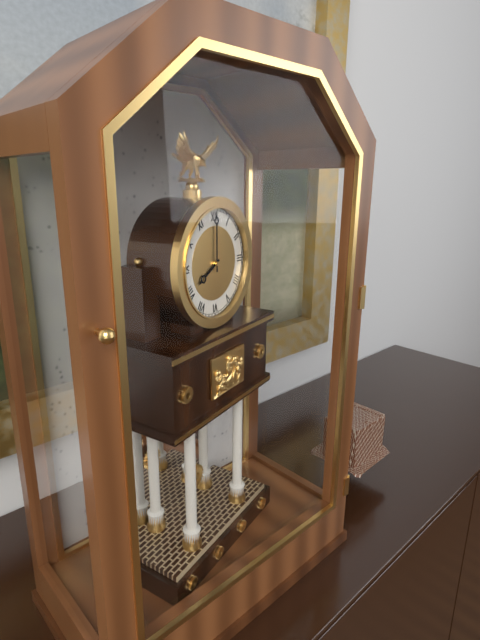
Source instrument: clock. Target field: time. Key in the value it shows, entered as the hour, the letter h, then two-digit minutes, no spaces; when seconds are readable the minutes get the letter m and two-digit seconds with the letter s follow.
8h00
